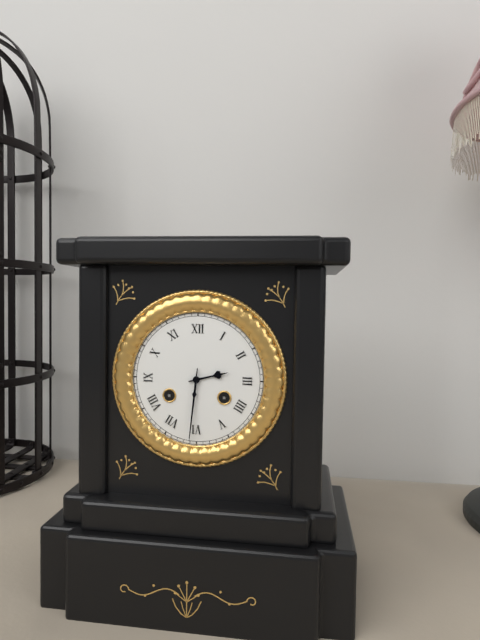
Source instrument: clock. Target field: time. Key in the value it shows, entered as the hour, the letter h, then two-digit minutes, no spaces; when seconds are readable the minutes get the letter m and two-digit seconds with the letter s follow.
2h31
